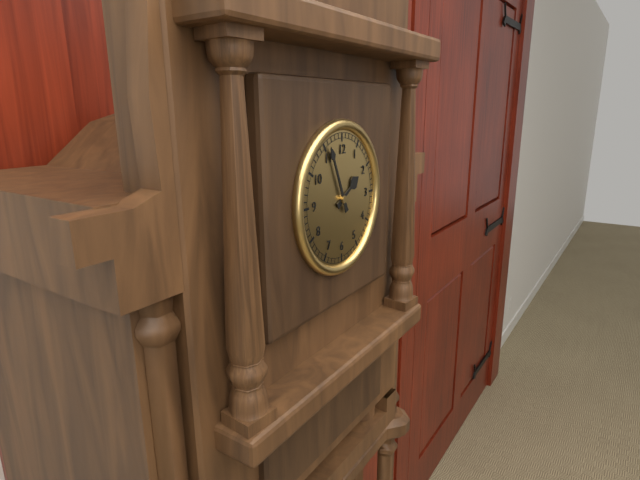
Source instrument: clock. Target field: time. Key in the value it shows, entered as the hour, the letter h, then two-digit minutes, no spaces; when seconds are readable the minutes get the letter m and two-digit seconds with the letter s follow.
1h56
